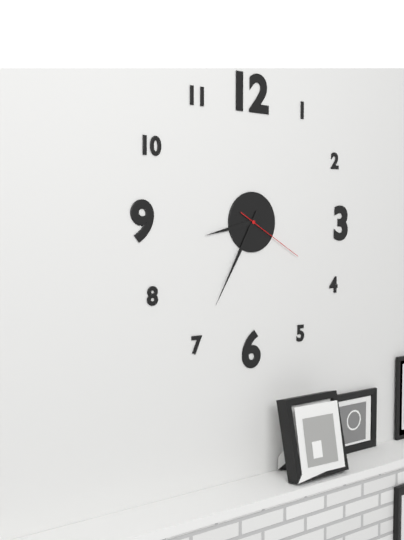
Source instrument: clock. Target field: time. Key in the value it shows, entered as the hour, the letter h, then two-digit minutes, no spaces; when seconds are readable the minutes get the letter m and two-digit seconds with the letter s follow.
8h35m20s
